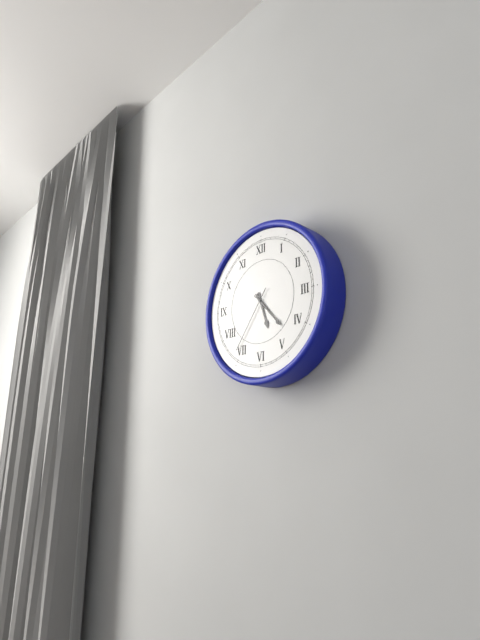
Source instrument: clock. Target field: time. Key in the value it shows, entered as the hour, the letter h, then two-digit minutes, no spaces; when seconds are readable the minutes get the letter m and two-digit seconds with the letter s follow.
5h23m36s
